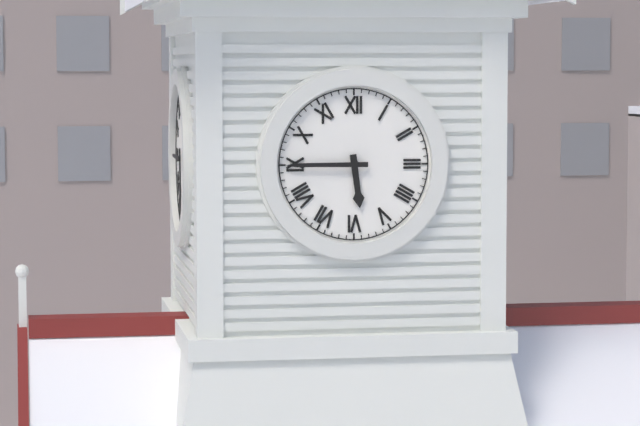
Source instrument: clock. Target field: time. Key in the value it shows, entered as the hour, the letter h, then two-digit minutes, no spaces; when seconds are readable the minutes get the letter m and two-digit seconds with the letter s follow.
5h45
